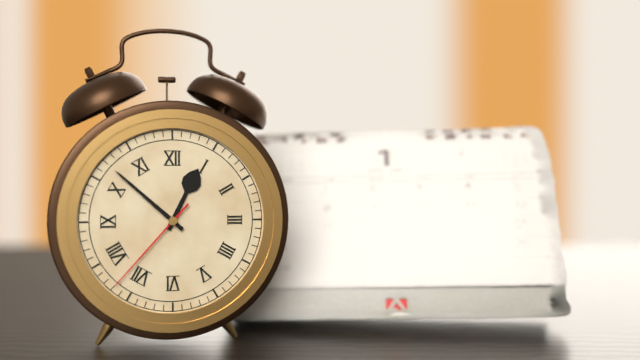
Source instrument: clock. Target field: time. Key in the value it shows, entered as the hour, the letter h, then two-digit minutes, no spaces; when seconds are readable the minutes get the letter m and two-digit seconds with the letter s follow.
12h52m37s
